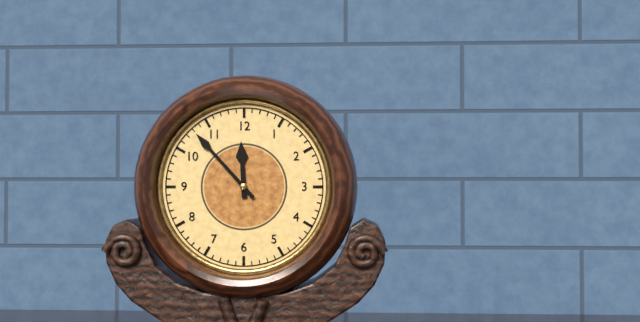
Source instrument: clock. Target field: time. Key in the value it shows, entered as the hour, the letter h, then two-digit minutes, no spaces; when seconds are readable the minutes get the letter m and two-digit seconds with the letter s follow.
11h53
